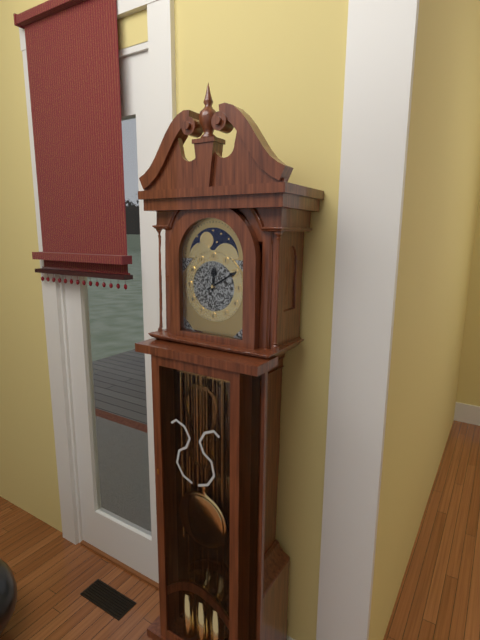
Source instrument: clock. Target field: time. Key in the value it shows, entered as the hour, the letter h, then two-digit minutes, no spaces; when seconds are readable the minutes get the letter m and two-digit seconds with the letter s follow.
12h10
